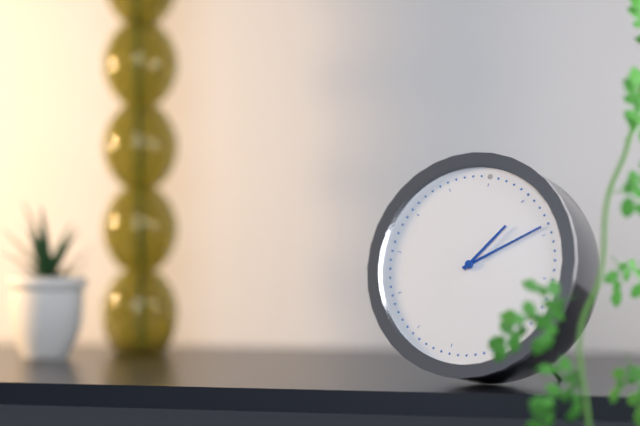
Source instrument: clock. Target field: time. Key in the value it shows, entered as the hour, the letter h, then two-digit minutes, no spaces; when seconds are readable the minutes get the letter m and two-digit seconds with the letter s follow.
1h09
